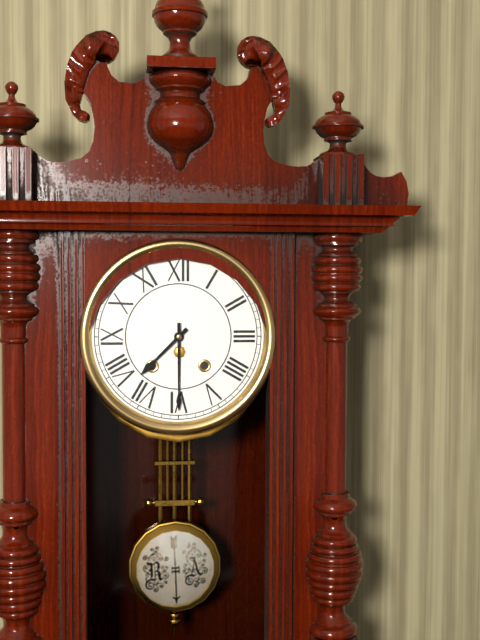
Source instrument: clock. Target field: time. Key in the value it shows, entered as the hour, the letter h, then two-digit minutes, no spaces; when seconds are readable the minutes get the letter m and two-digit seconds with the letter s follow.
7h30
